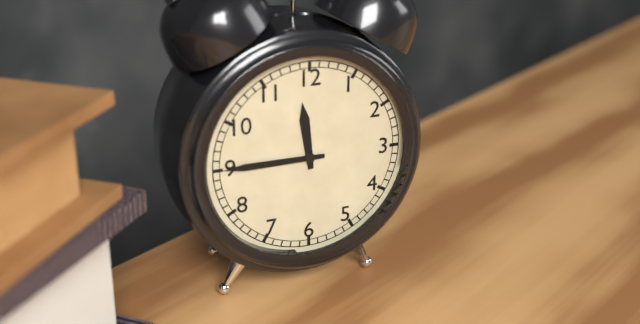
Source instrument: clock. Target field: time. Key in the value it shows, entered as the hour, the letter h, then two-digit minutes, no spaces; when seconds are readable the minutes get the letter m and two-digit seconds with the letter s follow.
11h45
